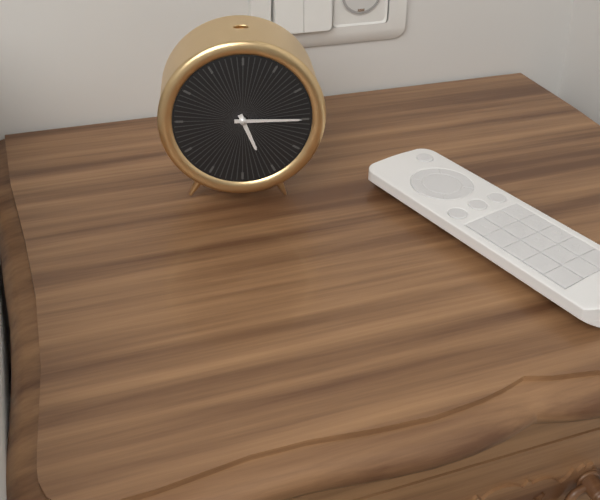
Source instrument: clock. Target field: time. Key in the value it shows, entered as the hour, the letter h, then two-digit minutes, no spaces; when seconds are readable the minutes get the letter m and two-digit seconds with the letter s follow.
5h15
